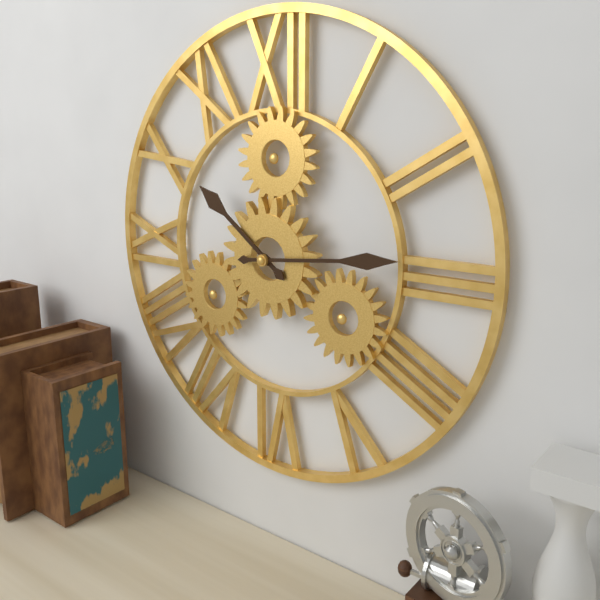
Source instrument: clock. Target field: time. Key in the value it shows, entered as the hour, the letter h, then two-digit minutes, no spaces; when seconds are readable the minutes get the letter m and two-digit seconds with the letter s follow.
10h14
